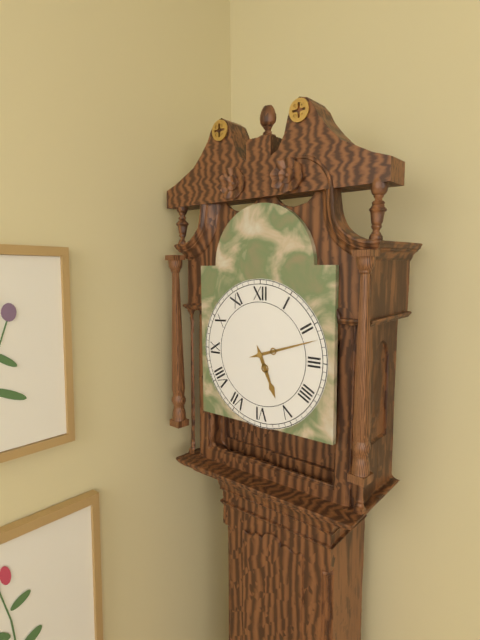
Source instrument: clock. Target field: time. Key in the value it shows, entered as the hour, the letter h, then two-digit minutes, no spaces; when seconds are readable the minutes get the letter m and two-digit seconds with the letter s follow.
5h12
